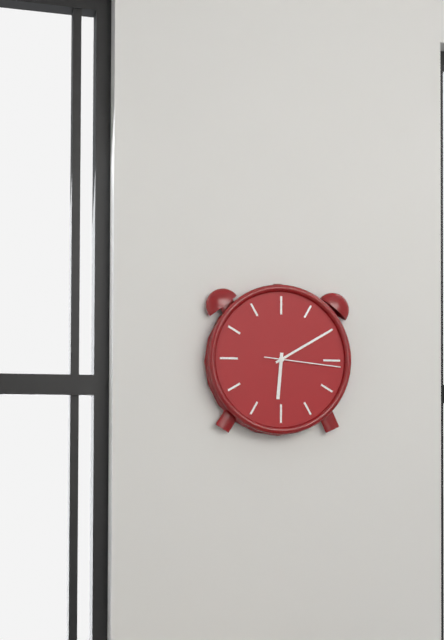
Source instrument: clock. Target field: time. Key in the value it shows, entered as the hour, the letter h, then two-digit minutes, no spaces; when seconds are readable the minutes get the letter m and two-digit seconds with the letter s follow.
6h10m16s
